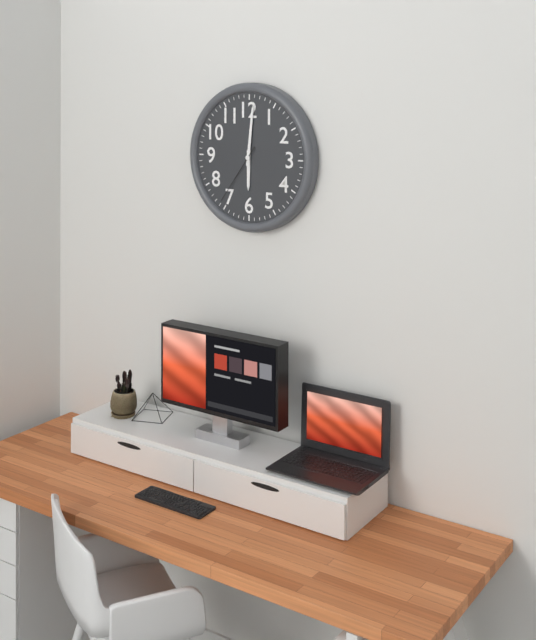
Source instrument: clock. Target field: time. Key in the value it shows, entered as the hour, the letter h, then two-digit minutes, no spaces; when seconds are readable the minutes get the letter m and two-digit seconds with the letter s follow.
6h01m36s
